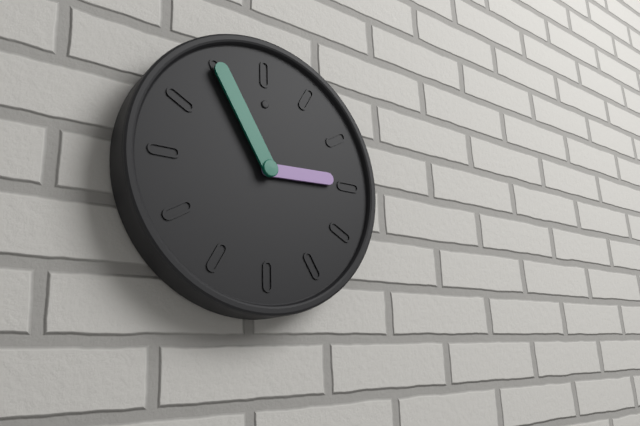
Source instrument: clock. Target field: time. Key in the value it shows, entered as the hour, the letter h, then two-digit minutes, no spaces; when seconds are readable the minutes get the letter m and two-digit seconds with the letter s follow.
2h55
